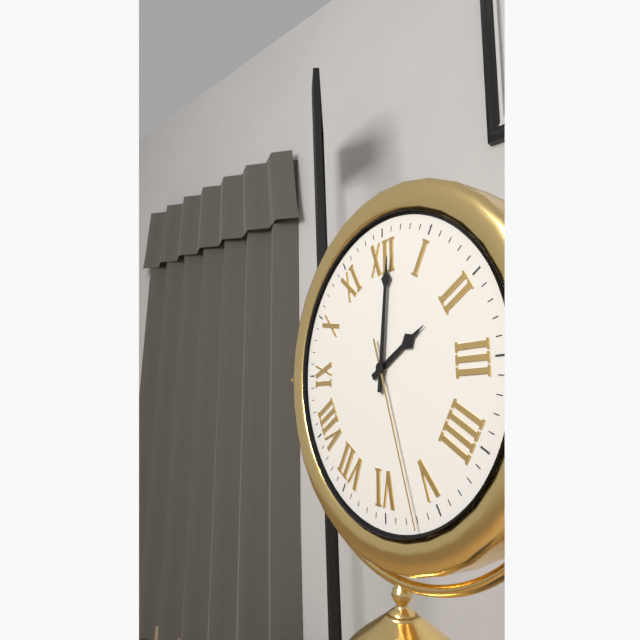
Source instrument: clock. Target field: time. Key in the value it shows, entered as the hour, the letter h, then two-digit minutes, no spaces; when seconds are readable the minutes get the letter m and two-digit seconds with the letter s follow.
2h01m27s
